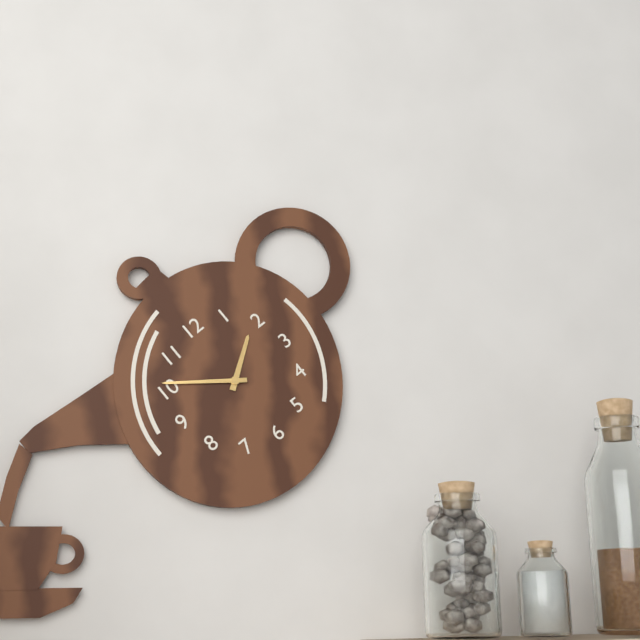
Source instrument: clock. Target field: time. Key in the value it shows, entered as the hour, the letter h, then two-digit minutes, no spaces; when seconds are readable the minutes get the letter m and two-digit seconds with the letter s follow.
1h51
